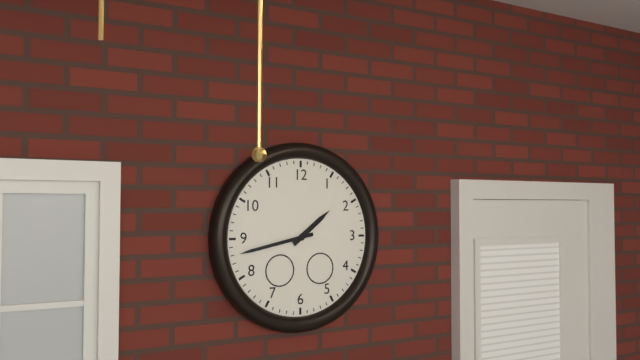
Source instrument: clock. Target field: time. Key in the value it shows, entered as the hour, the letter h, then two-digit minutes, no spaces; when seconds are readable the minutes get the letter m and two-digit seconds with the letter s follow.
1h43
